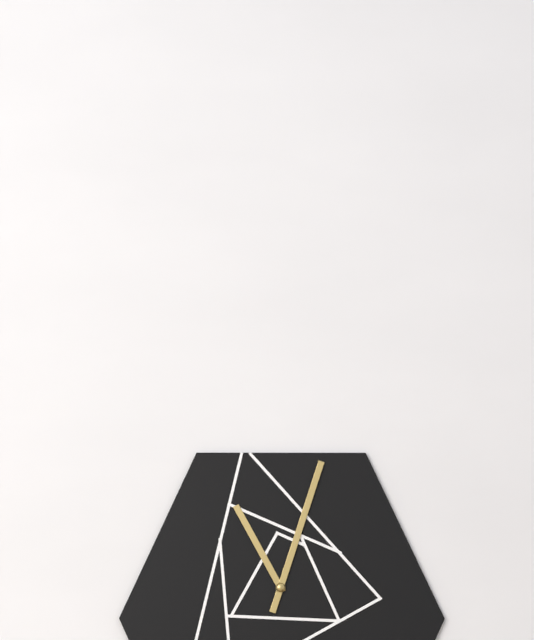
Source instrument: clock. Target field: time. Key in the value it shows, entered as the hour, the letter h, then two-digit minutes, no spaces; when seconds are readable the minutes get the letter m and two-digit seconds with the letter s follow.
11h03
